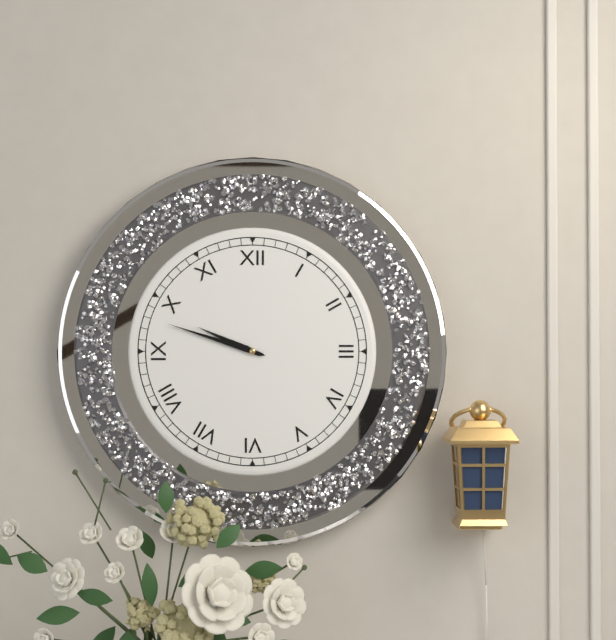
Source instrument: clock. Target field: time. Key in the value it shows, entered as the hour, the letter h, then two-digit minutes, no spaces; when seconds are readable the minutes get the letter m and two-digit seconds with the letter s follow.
9h48
